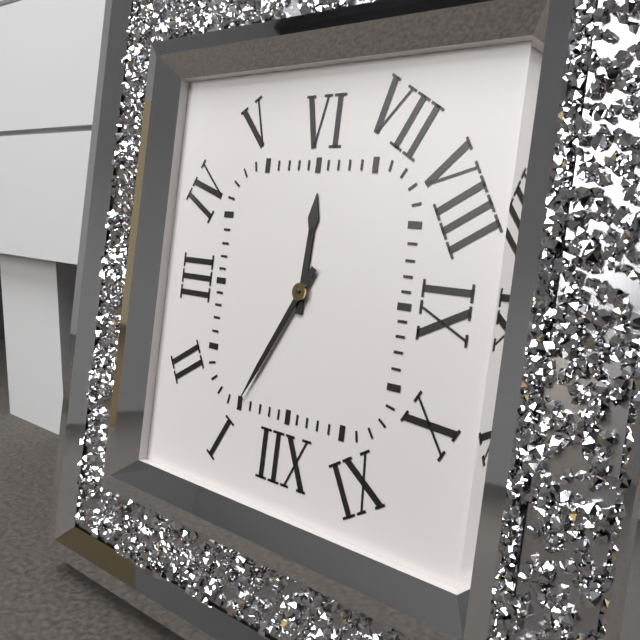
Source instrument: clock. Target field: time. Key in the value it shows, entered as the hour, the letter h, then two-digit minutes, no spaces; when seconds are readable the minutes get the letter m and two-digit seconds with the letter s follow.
6h05
